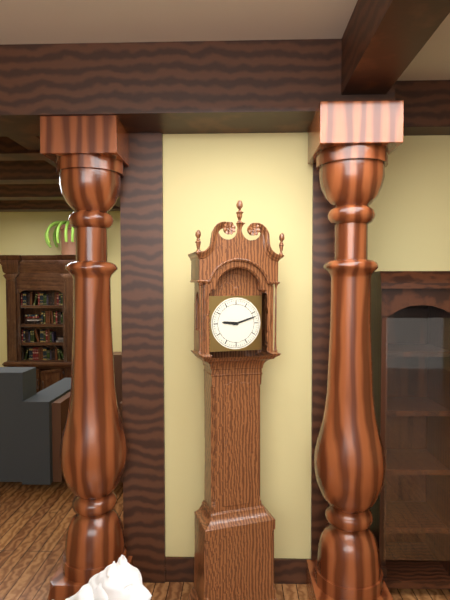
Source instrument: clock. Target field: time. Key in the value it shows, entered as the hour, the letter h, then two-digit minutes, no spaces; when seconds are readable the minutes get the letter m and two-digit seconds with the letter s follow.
9h12
